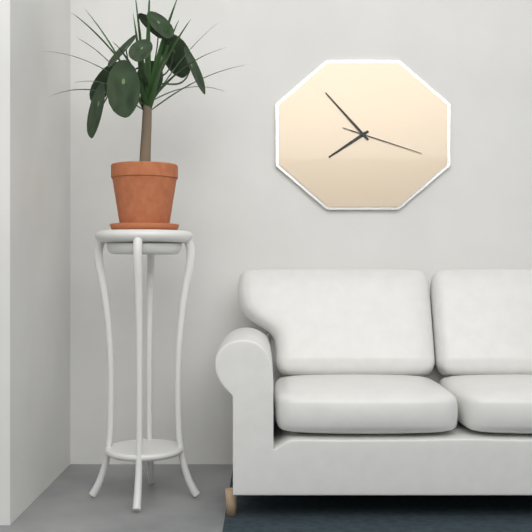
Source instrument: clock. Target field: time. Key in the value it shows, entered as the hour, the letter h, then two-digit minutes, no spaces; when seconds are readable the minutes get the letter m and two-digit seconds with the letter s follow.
7h53m18s
